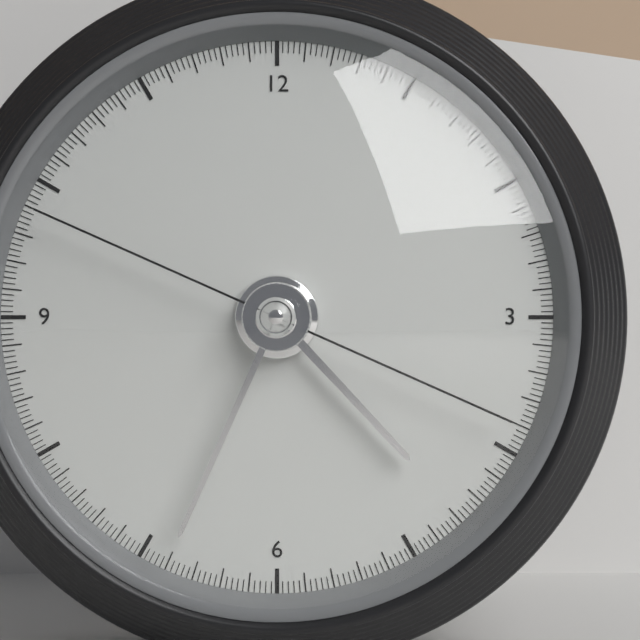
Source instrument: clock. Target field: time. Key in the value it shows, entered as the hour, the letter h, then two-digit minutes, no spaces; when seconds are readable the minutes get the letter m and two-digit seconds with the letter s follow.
4h34m19s
